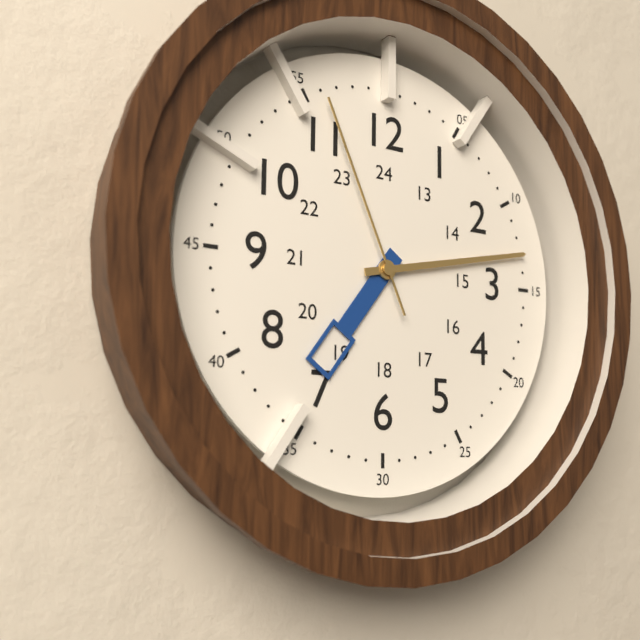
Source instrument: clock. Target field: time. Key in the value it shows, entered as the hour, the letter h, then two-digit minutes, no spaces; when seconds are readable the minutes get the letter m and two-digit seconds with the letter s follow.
7h13m56s
